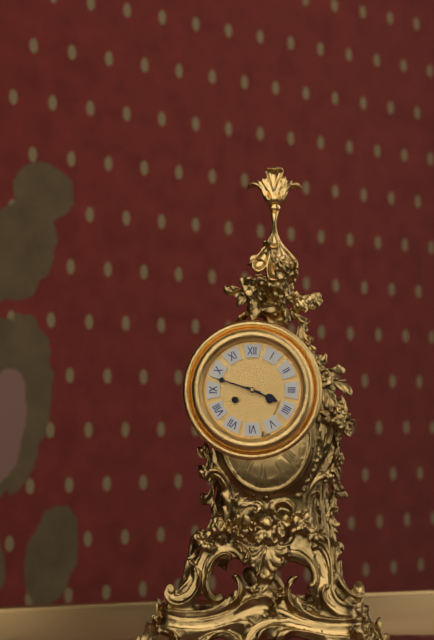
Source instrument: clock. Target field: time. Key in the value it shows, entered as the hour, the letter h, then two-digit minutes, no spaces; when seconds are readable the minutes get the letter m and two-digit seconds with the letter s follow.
3h48
